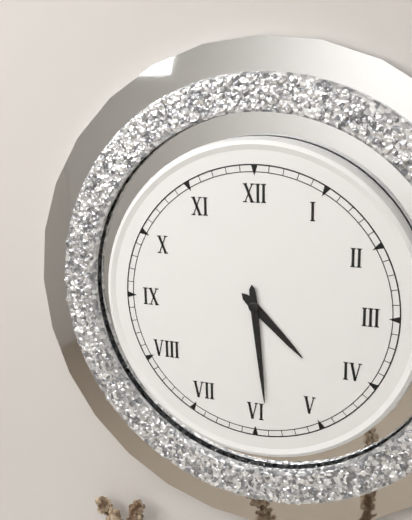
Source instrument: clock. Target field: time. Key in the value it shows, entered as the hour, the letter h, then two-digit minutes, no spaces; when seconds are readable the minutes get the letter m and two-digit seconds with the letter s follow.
4h29
